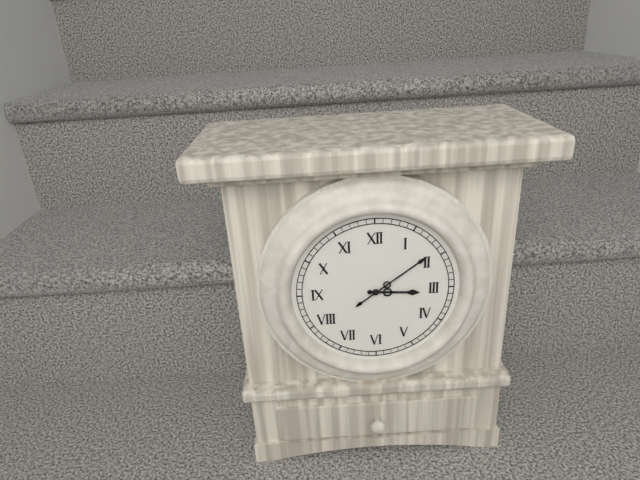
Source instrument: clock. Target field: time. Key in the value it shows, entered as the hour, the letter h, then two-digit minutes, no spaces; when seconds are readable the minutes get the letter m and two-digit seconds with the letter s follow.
3h09
